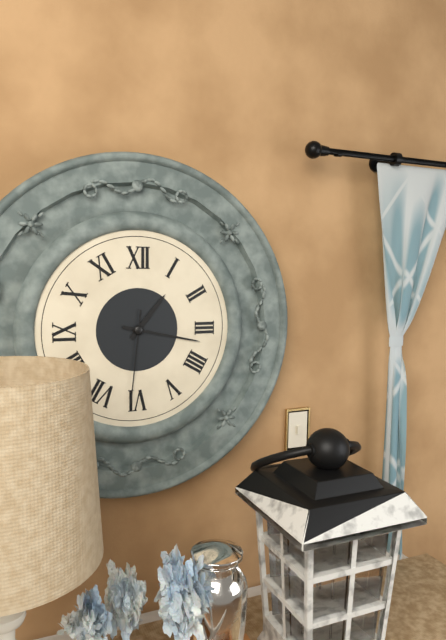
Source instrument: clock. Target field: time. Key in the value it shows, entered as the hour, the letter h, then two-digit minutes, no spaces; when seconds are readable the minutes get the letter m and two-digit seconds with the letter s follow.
1h17m31s
